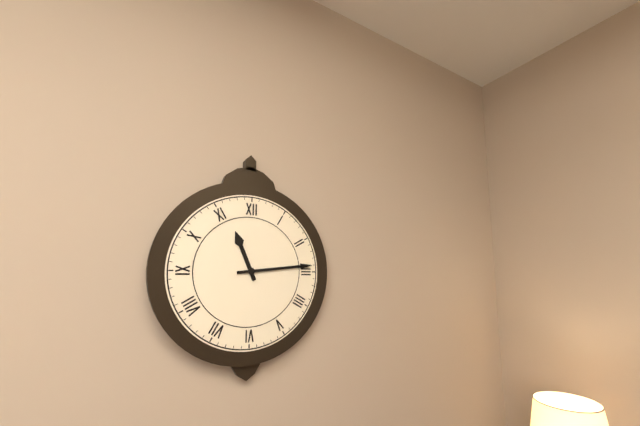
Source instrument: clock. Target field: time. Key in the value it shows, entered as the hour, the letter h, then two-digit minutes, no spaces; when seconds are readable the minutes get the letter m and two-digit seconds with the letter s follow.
11h14
